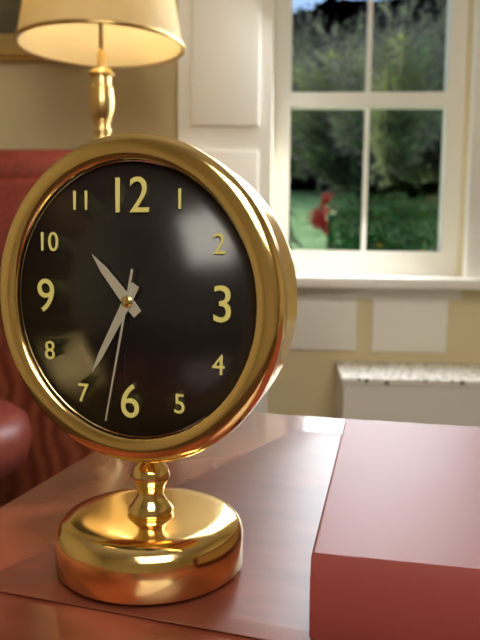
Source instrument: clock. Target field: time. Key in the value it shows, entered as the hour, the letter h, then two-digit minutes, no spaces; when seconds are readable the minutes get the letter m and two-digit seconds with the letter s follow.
10h35m32s
